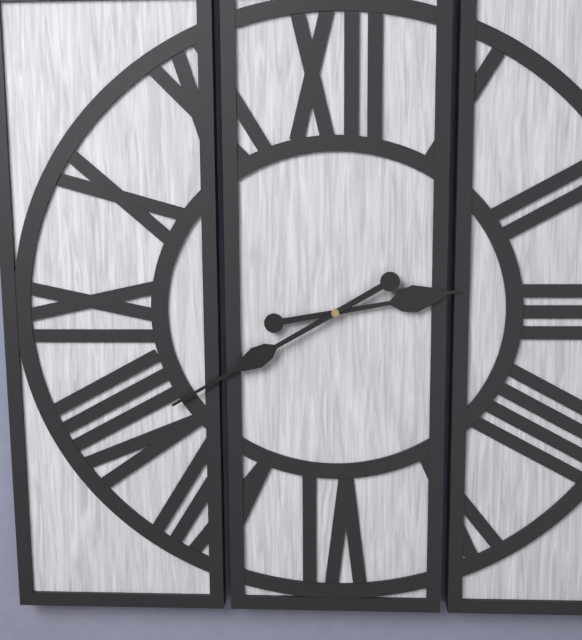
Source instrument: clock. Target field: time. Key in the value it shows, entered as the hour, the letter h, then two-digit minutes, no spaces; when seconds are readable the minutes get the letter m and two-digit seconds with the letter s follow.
2h40
